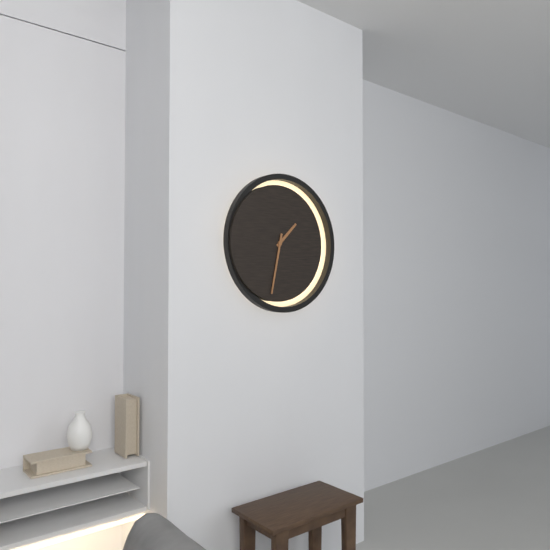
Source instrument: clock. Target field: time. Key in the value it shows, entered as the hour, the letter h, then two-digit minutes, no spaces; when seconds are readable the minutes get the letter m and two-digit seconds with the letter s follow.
1h32
